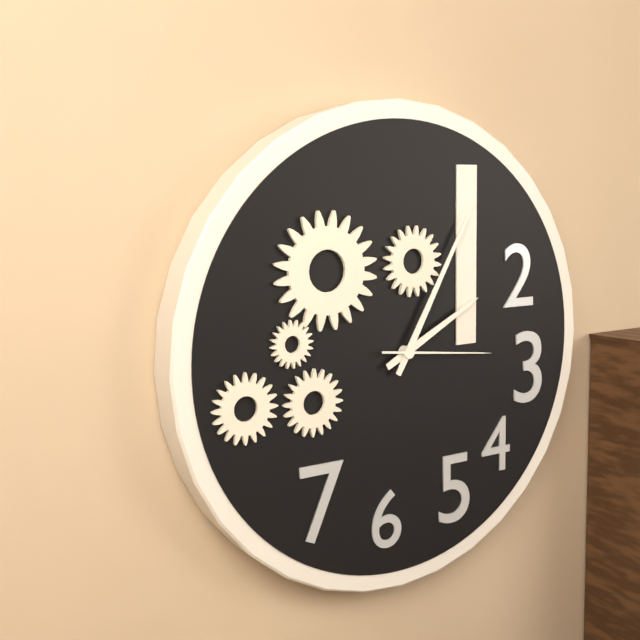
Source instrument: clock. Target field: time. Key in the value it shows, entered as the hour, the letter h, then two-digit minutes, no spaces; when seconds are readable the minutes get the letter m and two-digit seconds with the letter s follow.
2h05m16s
